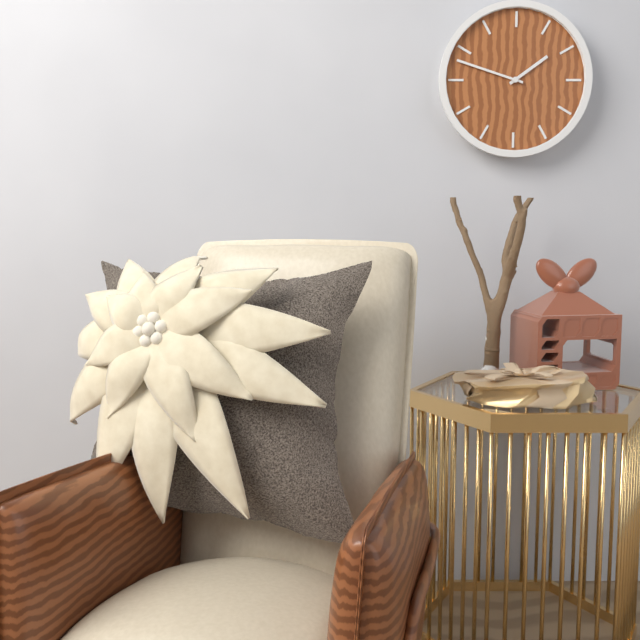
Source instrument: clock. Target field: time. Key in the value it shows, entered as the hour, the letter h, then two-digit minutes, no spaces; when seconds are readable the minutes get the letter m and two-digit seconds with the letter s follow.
1h48
